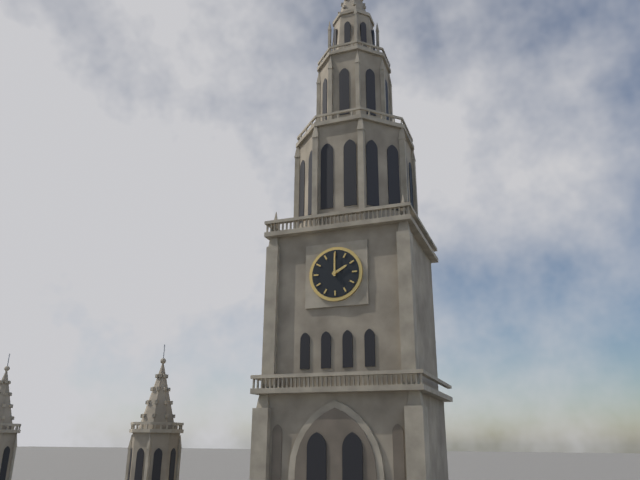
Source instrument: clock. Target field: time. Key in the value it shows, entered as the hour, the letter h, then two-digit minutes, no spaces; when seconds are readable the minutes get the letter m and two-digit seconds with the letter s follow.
2h00
